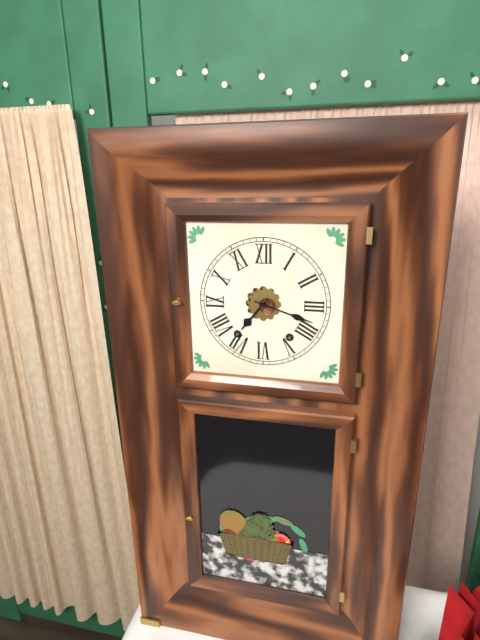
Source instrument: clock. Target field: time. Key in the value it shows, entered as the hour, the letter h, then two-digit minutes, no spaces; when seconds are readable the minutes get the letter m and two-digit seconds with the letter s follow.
7h18
